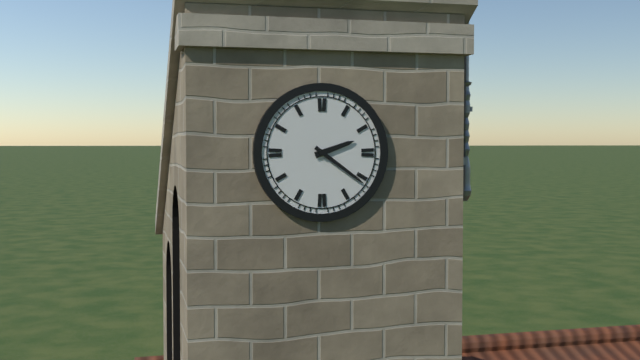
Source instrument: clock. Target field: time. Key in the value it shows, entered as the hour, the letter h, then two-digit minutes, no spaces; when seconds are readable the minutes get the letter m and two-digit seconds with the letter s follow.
2h21
